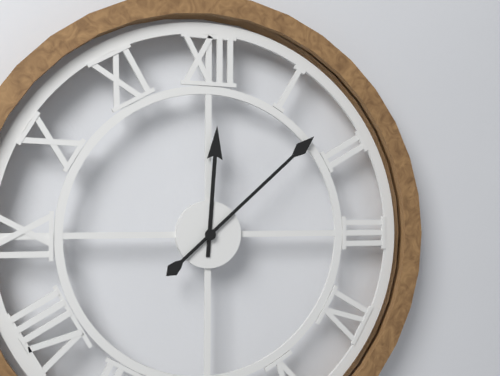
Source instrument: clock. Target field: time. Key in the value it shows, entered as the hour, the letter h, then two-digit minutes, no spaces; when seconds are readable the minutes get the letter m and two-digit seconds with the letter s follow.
12h08
